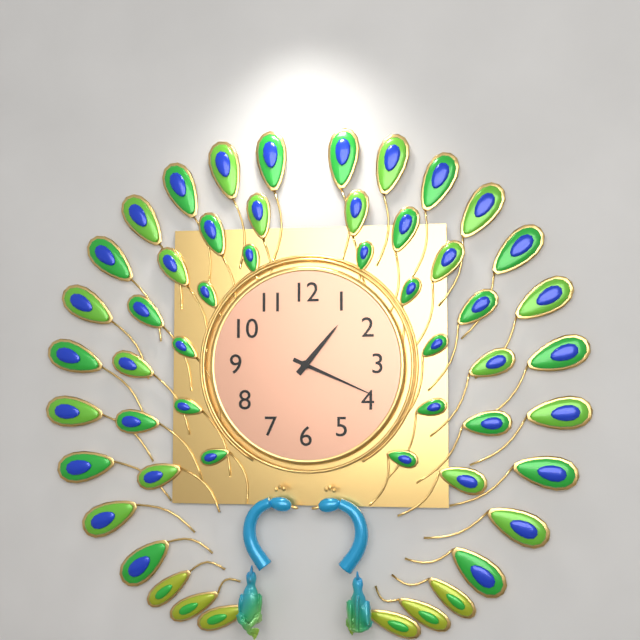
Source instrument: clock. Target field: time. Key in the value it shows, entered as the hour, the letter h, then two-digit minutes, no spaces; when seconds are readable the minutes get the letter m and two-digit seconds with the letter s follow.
1h19
